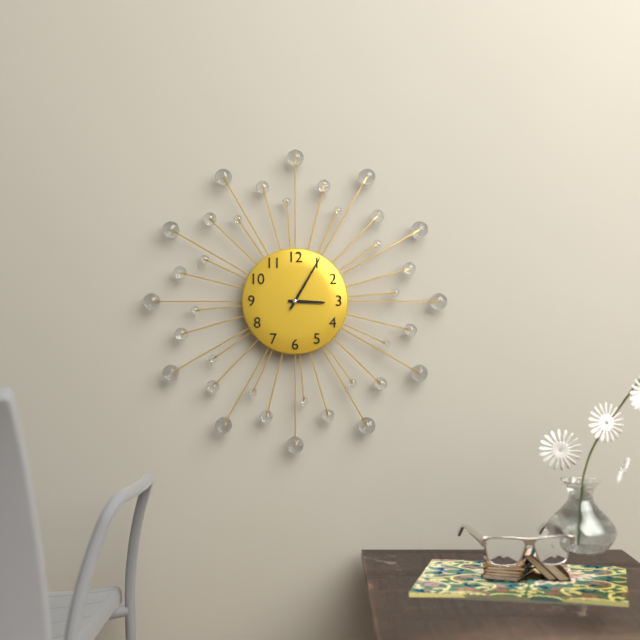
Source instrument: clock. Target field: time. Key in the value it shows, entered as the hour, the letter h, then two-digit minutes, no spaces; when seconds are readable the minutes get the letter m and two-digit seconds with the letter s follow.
3h05
